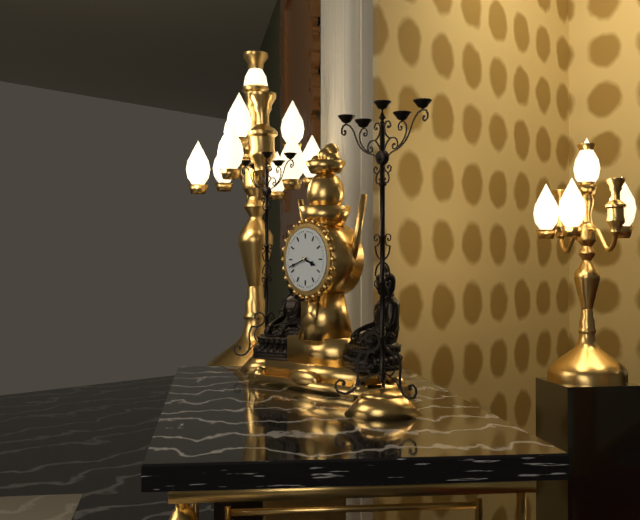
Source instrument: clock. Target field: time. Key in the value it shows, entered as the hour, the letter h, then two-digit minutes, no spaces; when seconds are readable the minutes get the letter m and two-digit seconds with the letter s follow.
3h42
